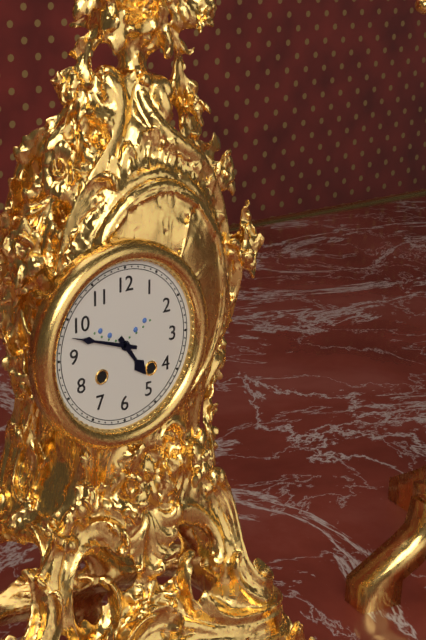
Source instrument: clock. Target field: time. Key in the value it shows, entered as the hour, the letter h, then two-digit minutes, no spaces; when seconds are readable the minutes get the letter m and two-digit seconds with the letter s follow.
4h48
